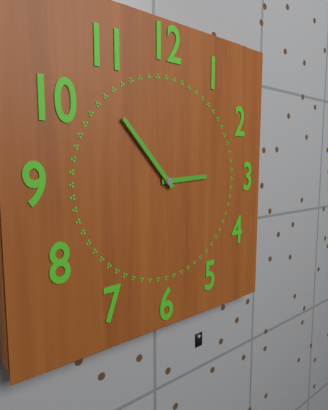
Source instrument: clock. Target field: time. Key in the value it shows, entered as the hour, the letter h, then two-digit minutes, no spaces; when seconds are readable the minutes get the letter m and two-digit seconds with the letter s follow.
2h53
